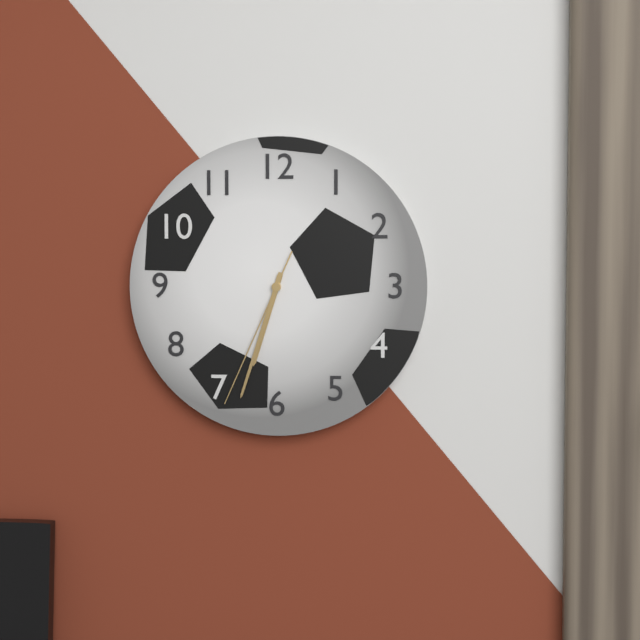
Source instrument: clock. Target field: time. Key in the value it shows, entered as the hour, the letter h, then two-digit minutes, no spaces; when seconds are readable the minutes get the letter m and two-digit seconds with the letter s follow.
6h33m34s
